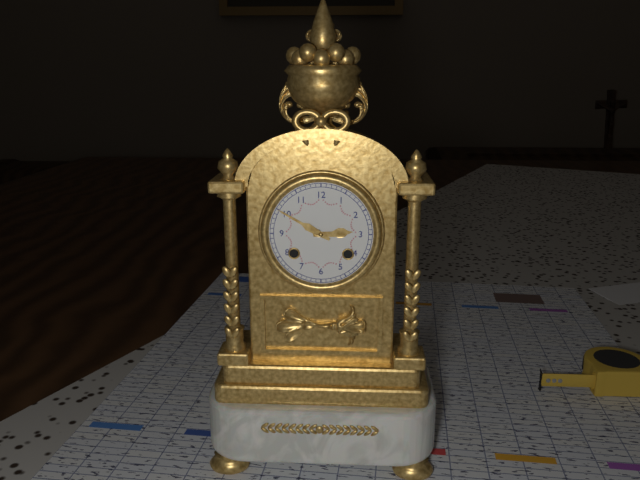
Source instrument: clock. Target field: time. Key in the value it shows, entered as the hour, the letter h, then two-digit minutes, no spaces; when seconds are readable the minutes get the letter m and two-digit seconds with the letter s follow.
2h50
